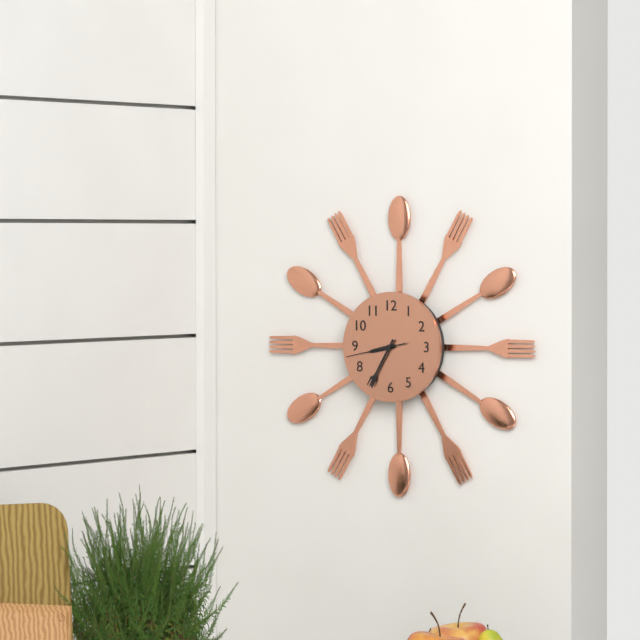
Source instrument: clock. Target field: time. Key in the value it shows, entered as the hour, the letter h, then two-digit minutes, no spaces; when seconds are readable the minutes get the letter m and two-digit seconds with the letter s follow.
8h35m43s
